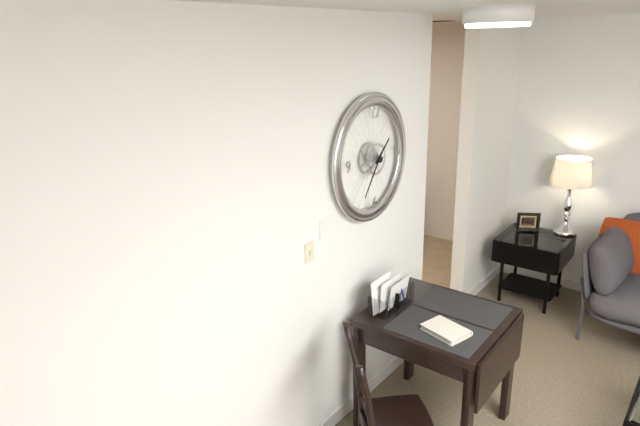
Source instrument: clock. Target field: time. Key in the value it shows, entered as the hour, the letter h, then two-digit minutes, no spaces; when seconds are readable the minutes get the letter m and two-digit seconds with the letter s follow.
1h36
